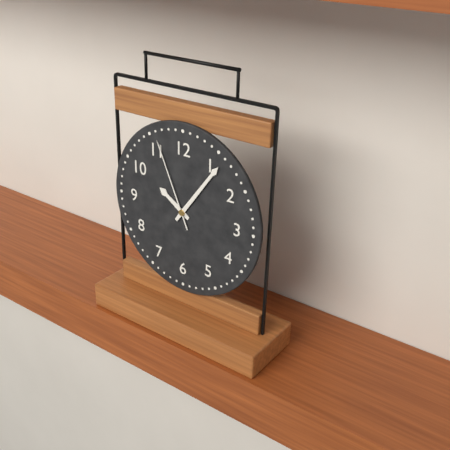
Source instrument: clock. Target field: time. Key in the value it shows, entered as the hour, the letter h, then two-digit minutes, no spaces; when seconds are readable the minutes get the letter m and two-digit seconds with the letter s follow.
10h06m56s
